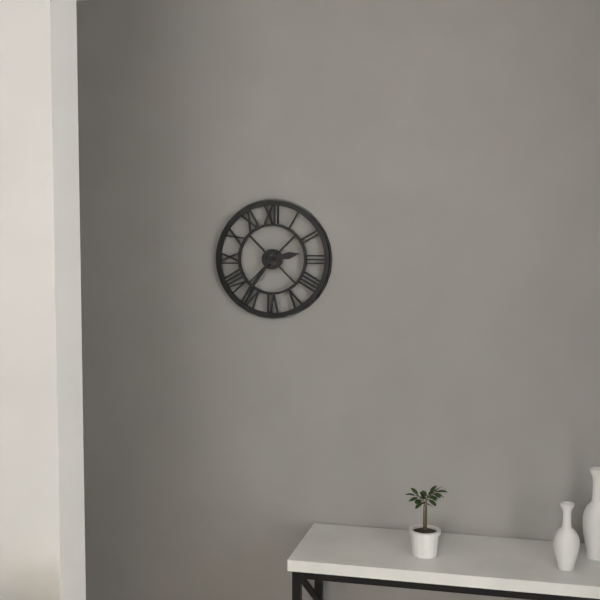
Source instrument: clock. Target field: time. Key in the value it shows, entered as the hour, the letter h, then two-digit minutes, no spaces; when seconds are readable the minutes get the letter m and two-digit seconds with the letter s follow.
2h36
